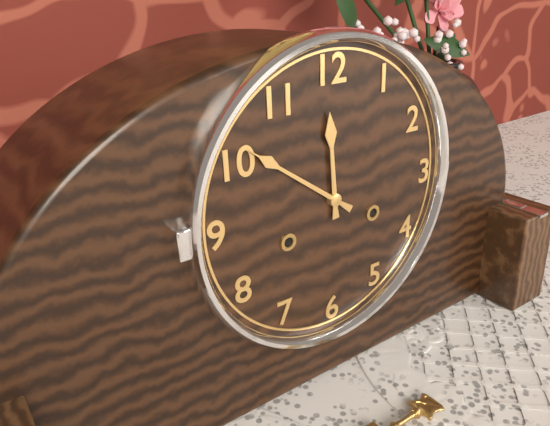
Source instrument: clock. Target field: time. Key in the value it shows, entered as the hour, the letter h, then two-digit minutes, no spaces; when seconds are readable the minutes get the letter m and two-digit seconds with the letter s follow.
11h51
